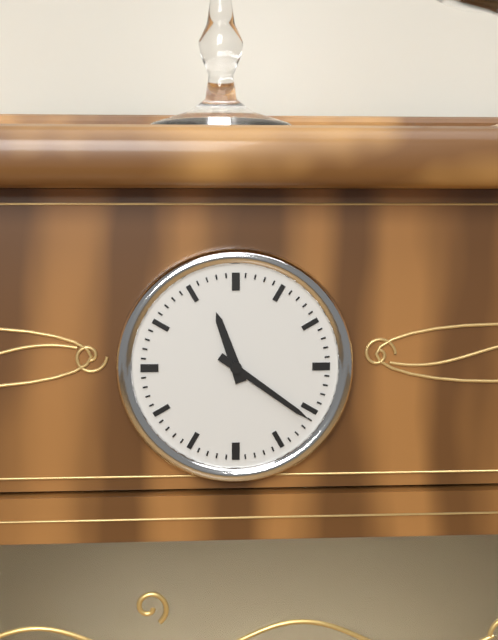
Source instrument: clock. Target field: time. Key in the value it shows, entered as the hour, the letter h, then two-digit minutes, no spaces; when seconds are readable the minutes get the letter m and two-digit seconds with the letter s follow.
11h21
